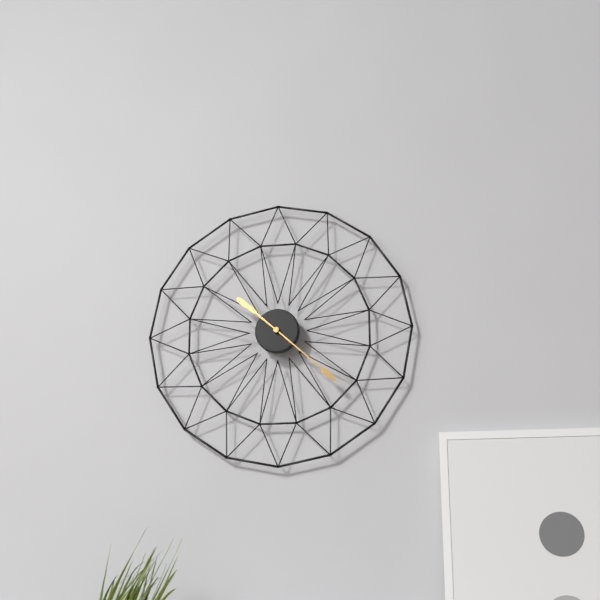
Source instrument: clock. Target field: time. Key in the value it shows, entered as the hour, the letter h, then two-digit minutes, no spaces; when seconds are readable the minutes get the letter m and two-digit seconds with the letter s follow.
10h22
